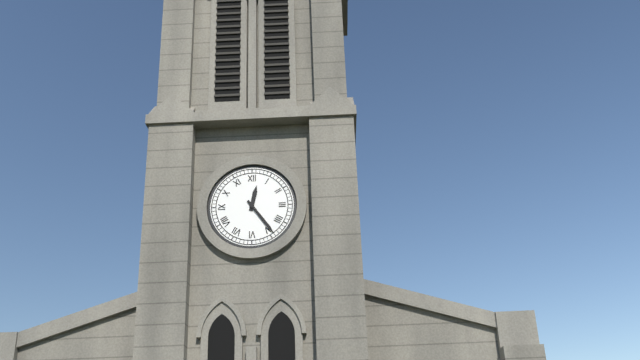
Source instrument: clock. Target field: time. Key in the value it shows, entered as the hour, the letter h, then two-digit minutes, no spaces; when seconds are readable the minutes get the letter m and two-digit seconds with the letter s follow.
12h24
